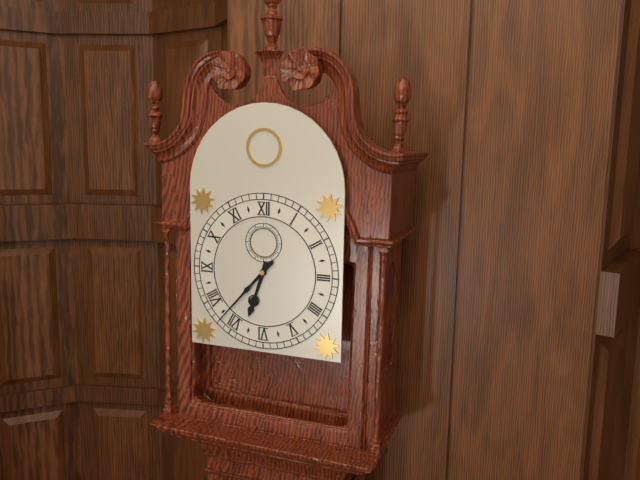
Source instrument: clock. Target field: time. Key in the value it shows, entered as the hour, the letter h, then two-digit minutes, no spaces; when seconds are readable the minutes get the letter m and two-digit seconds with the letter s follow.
6h37
